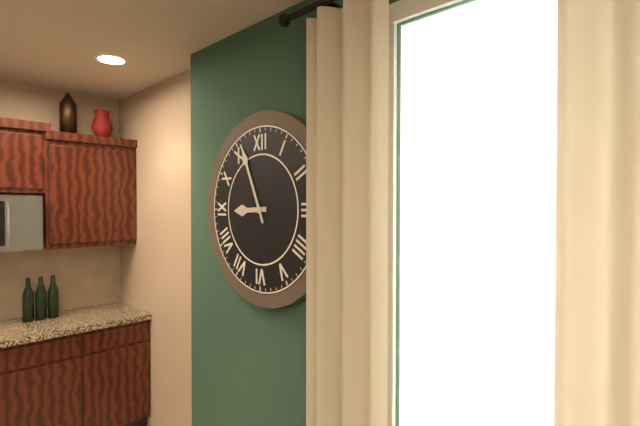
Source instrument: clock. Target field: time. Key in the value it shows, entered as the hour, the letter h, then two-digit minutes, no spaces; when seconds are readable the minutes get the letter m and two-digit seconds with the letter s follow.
8h56
